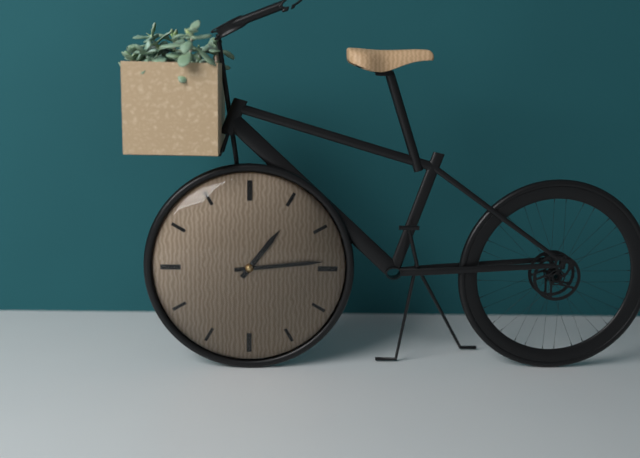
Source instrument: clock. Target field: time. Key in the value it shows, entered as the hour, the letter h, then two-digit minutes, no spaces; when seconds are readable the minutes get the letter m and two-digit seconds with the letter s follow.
1h14
